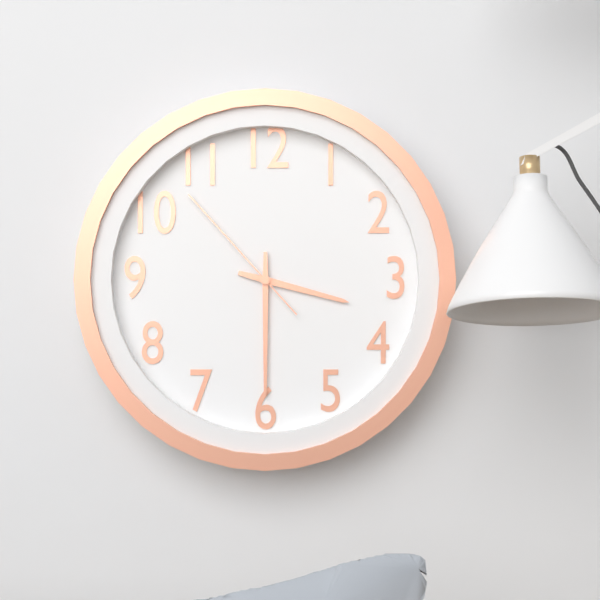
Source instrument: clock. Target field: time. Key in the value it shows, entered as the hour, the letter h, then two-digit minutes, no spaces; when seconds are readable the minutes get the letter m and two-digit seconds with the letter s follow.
3h30m53s
